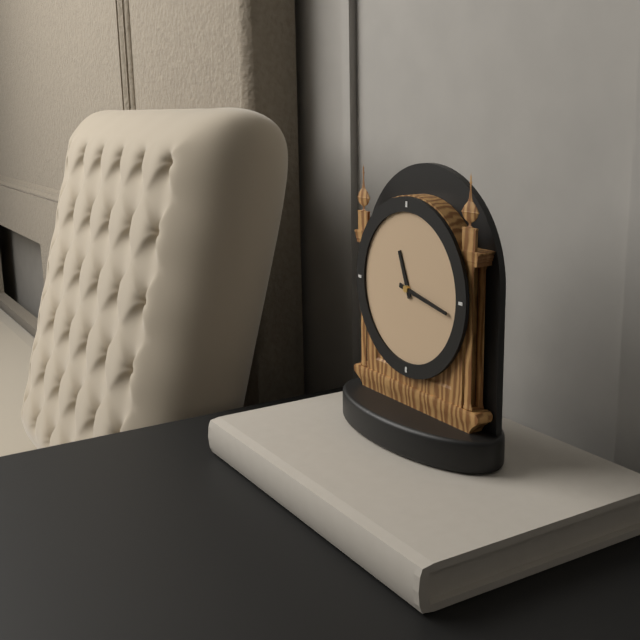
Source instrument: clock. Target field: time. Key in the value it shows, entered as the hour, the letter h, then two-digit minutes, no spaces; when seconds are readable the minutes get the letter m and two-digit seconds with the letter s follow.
11h17
